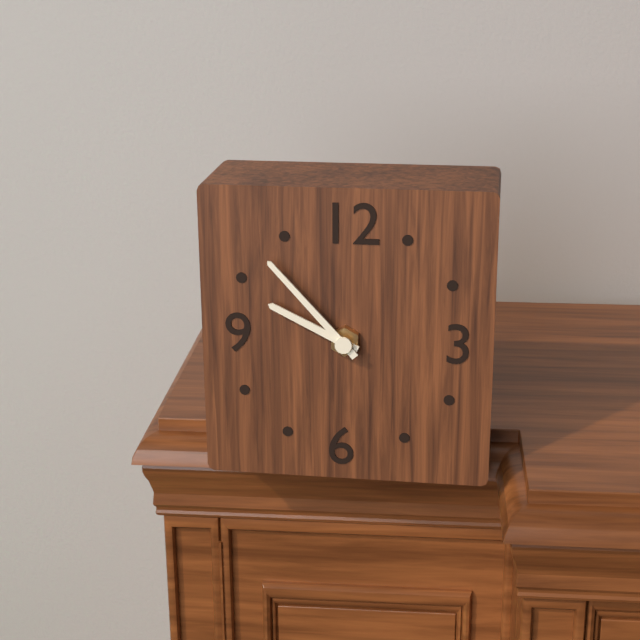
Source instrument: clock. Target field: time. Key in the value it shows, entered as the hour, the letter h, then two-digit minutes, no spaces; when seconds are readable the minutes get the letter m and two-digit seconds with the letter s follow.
9h53
